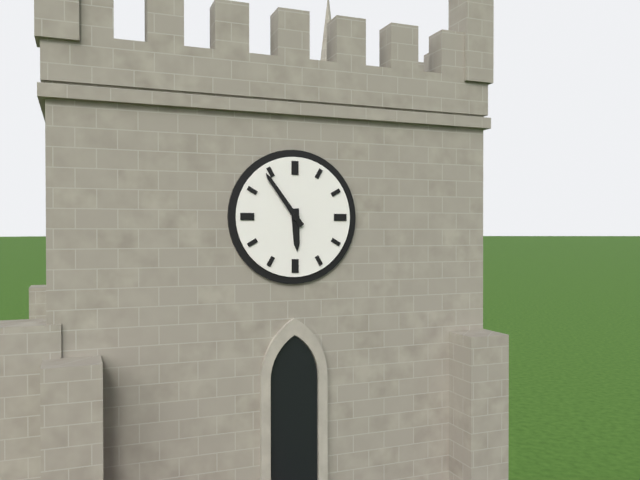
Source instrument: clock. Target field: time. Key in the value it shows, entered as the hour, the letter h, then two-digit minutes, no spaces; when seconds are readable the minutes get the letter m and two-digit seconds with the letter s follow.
5h54
